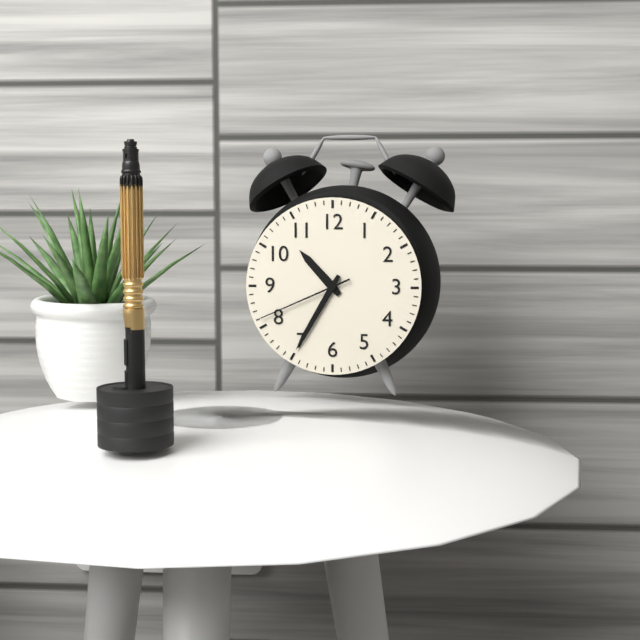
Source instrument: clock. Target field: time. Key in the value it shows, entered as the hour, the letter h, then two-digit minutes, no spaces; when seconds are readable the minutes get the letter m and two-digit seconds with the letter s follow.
10h35m41s
